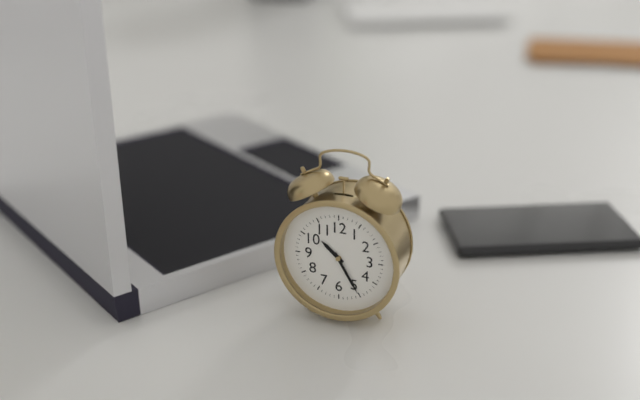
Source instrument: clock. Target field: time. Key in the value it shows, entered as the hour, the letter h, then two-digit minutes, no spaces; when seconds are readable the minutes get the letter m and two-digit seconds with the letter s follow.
10h25
